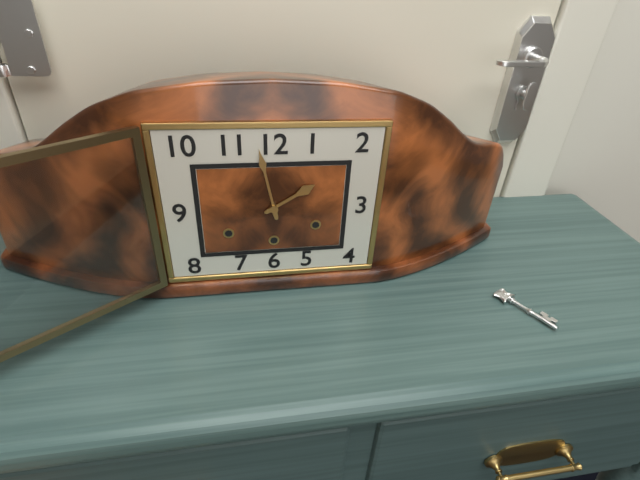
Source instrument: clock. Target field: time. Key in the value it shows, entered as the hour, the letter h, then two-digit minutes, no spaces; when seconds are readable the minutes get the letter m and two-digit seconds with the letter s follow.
1h58
